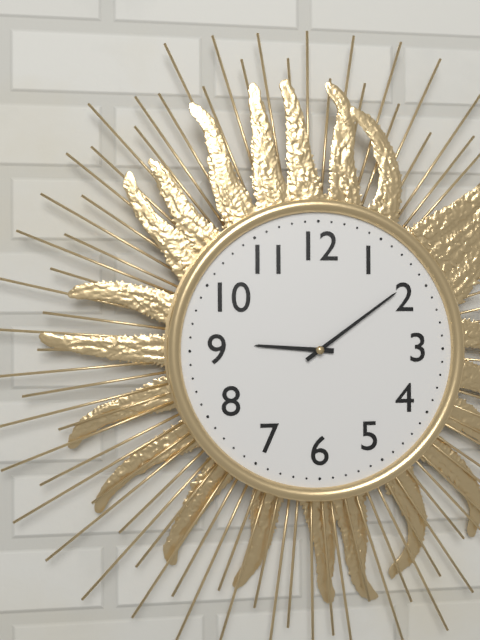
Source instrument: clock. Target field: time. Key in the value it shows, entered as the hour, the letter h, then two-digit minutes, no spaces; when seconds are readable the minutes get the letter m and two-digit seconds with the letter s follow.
9h09
